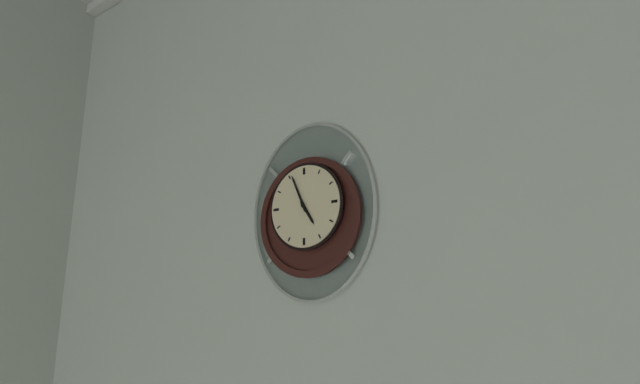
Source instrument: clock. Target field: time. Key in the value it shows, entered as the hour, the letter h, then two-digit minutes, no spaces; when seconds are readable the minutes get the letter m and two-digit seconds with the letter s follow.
4h56
